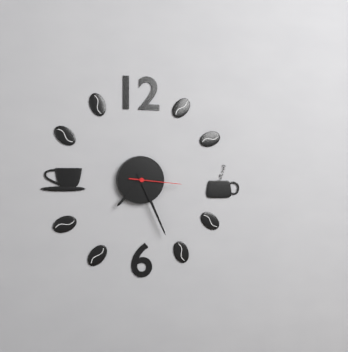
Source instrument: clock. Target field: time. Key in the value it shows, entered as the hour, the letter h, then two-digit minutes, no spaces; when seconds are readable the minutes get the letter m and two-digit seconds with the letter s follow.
7h26m16s
